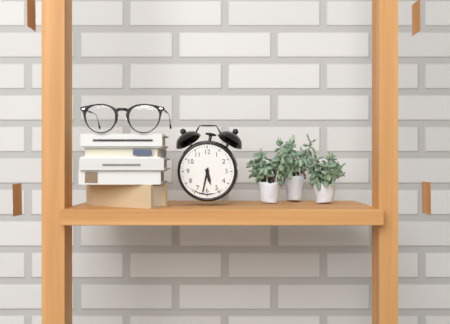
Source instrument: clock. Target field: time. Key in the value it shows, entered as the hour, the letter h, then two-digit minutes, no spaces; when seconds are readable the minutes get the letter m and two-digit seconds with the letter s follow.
5h32
